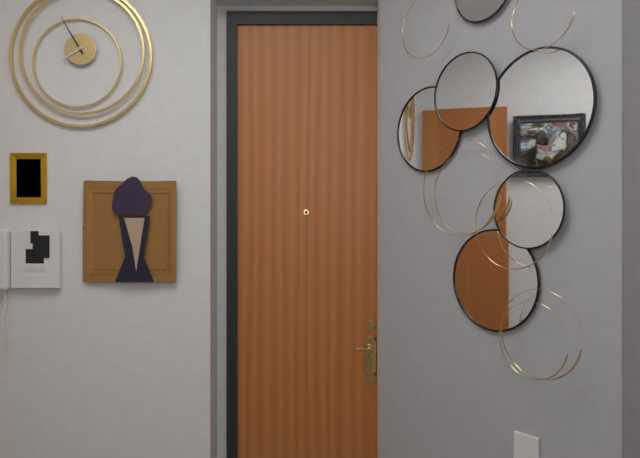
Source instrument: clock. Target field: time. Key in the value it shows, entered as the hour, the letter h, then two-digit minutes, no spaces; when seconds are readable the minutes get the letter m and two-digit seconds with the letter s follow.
7h55
